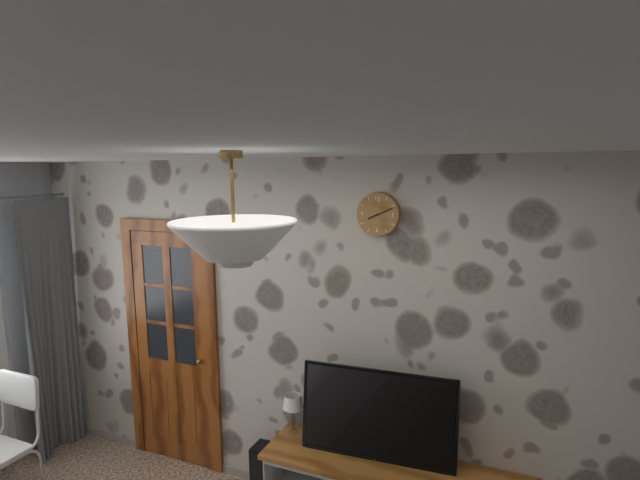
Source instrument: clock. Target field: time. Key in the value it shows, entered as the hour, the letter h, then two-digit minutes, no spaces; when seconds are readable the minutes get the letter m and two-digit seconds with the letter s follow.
8h11
